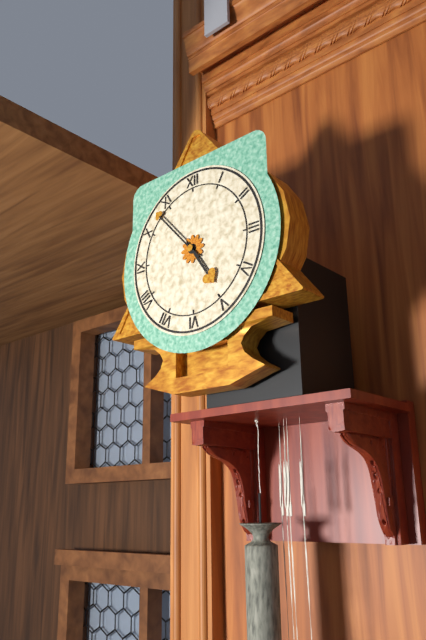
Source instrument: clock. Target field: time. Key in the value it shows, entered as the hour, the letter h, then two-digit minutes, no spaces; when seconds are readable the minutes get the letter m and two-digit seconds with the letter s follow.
4h53
